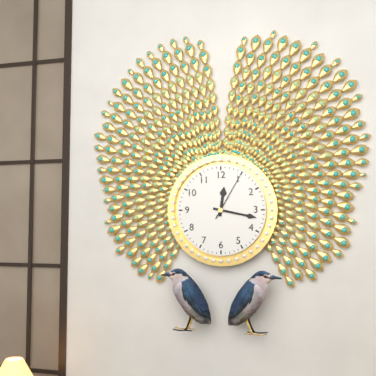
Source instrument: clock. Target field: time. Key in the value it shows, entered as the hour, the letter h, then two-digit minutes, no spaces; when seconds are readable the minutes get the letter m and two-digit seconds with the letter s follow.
12h17
